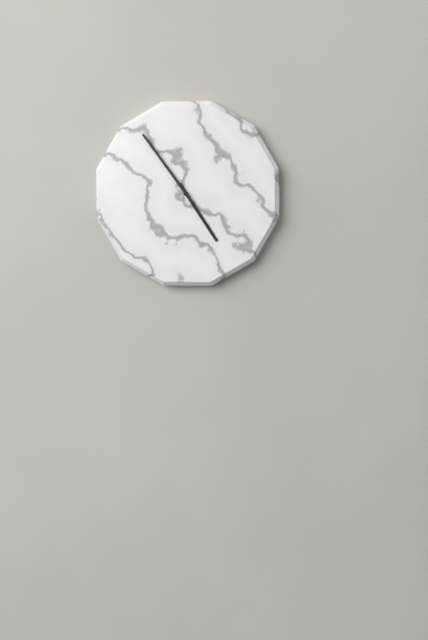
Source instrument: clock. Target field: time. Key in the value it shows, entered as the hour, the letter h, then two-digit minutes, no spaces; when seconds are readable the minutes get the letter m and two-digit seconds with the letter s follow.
4h54
